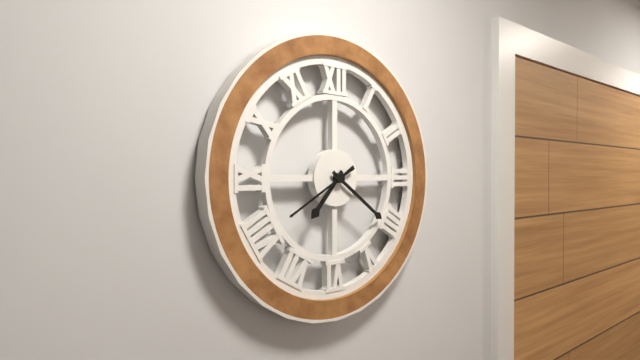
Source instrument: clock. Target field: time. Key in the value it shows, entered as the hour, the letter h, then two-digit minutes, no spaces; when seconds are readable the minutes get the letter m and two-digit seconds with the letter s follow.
7h21m40s
